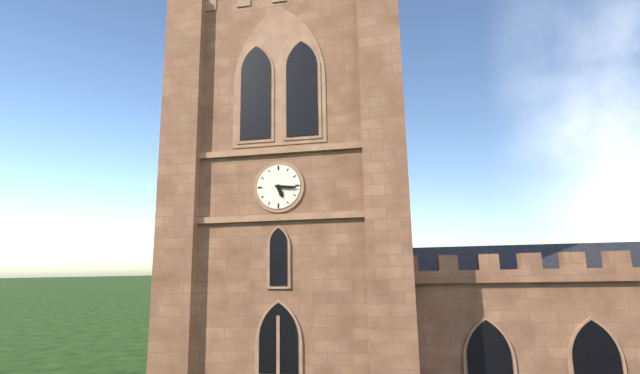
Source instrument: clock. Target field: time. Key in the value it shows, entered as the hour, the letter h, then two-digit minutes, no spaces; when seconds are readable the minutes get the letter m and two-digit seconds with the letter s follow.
5h16
